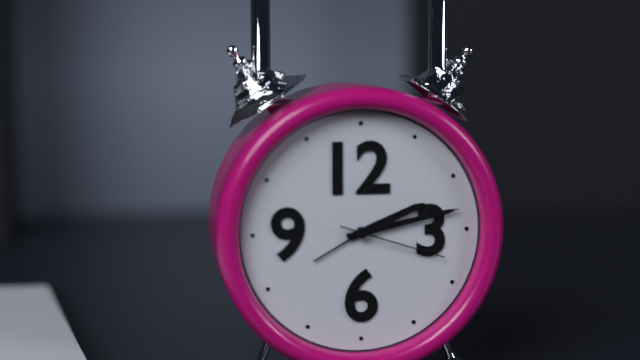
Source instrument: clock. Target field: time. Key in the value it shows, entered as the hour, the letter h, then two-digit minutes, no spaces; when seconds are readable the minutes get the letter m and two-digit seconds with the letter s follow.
2h13m18s
